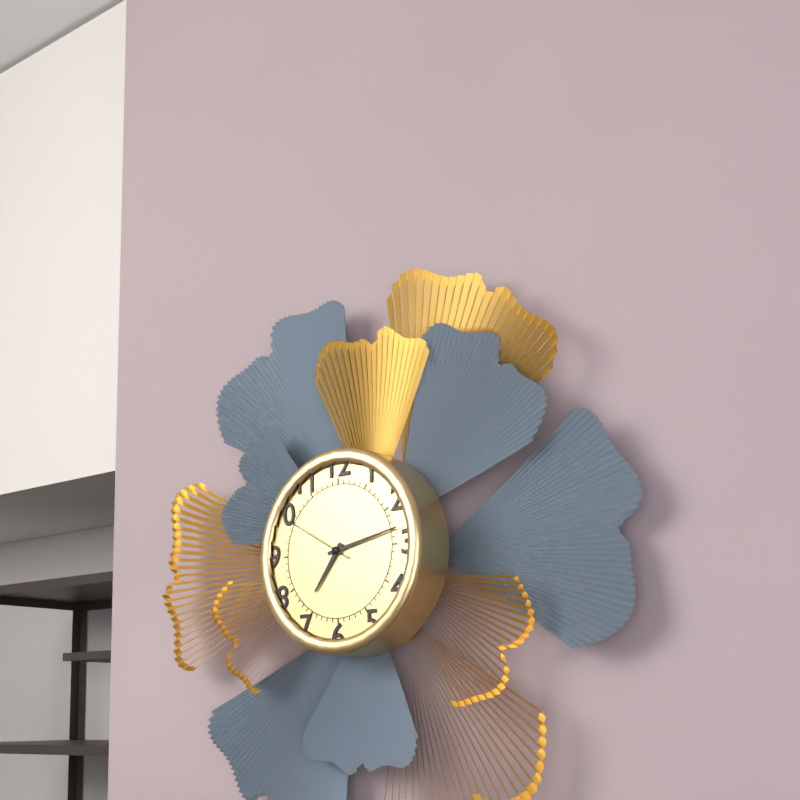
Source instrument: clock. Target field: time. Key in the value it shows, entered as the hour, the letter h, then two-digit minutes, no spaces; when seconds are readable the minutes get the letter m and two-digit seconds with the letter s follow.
7h13m50s
